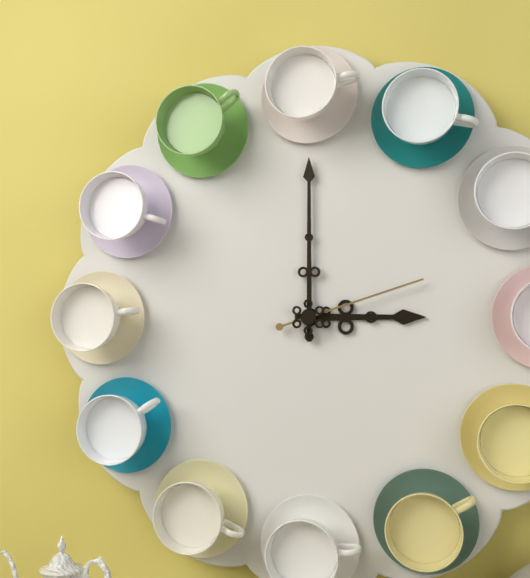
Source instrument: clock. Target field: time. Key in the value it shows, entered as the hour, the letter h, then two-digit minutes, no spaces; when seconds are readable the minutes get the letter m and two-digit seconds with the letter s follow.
3h00m12s
